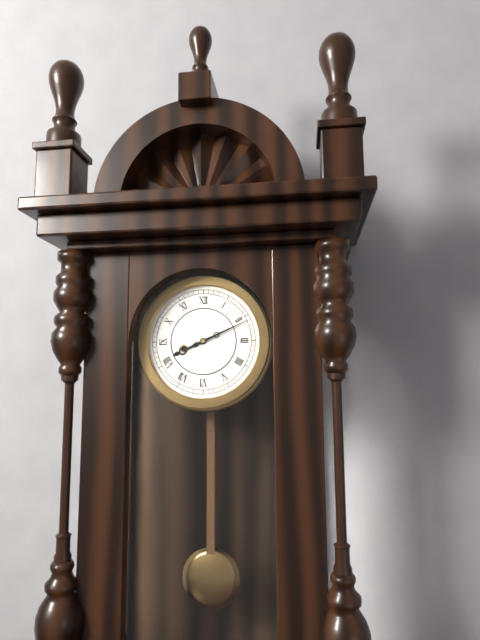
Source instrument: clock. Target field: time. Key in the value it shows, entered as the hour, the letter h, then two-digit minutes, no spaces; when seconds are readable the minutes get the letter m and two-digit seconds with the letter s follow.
8h11
